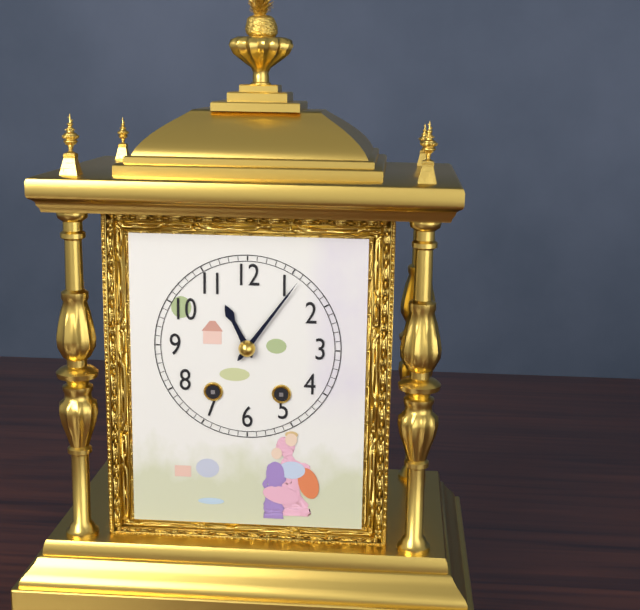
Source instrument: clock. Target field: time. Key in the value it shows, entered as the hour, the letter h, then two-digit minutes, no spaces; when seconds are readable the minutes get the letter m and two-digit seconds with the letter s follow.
11h06
